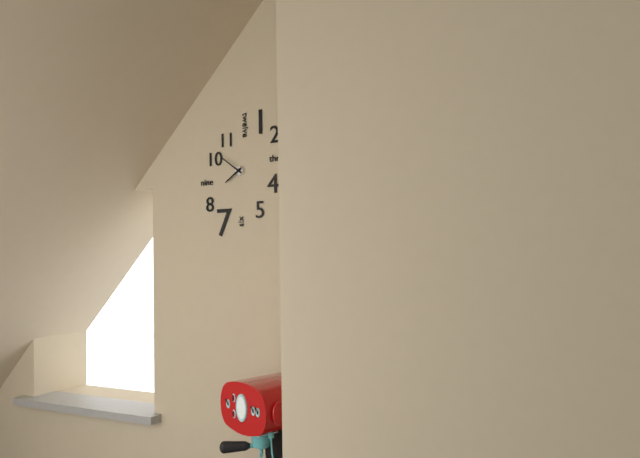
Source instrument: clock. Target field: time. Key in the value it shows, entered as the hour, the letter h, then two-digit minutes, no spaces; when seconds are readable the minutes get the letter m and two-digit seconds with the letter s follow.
7h51
